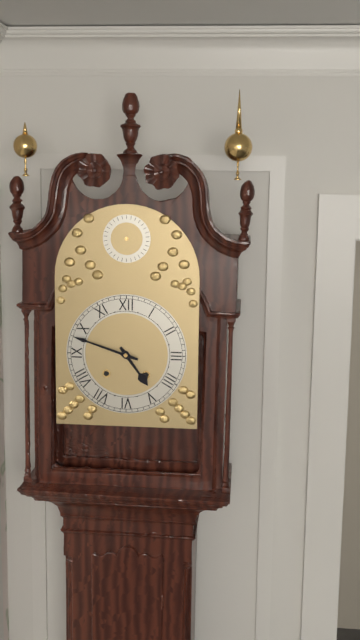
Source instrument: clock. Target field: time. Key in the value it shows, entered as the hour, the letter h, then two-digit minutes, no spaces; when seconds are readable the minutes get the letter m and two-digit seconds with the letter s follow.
4h48
